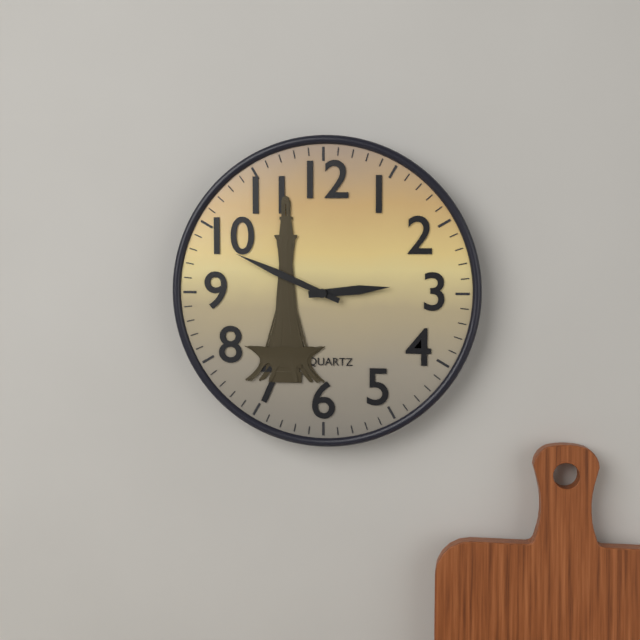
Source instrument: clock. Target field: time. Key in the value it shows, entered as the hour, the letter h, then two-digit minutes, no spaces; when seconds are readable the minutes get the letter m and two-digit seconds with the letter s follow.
2h49
